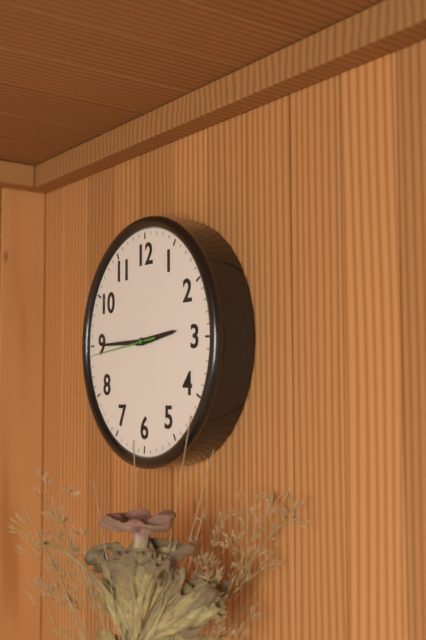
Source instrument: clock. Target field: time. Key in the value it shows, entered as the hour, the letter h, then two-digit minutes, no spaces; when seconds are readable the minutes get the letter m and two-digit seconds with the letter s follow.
2h45m44s
